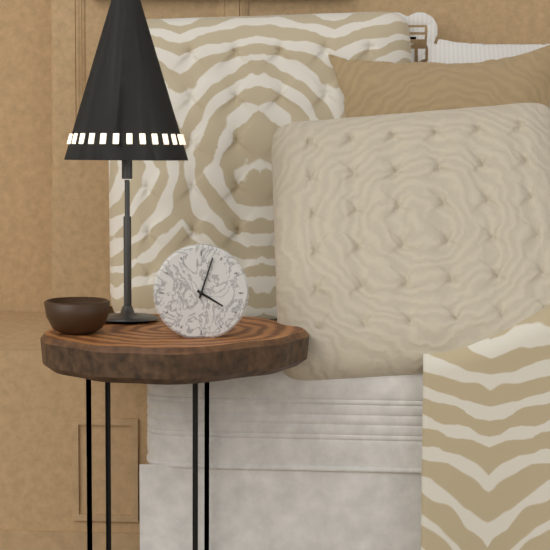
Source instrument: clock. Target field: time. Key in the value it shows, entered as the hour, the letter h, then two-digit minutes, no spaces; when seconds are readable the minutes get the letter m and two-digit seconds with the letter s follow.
4h03
